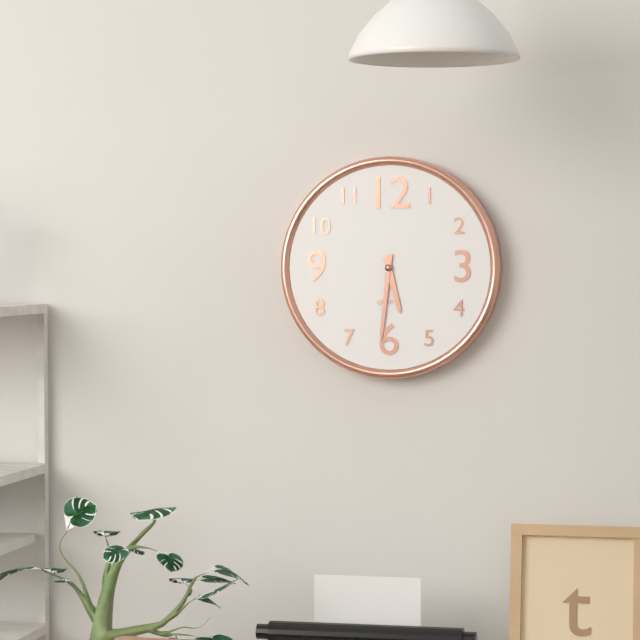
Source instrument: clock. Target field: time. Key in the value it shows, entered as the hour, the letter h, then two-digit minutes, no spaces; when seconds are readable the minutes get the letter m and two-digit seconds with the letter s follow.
5h31
